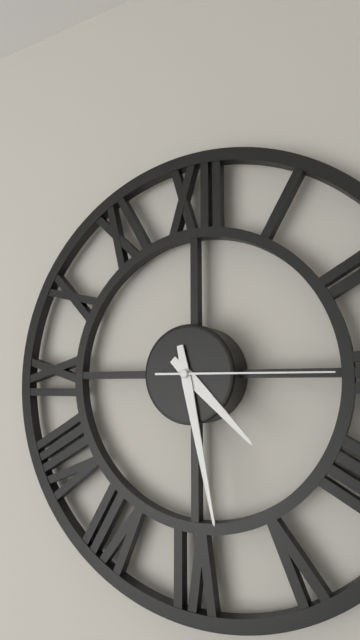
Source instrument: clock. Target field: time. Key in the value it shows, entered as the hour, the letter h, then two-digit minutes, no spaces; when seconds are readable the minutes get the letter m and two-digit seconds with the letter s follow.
4h28m15s
